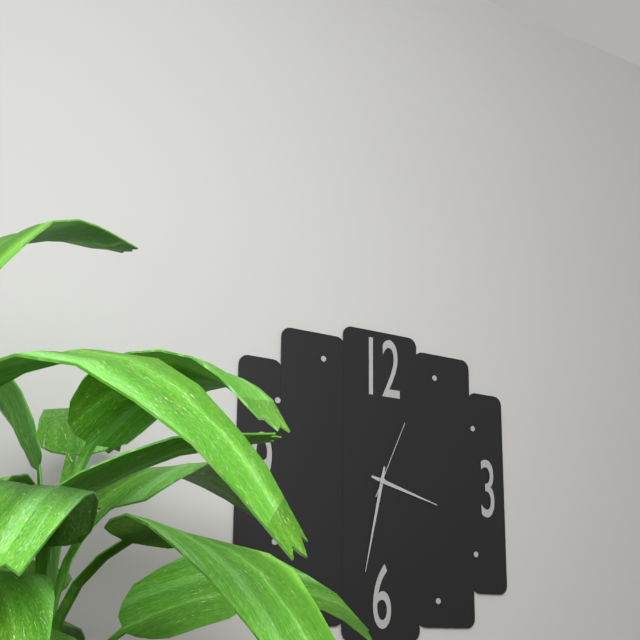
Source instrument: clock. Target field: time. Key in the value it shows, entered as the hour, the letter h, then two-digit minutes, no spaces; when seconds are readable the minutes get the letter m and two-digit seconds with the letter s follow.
3h32m04s
